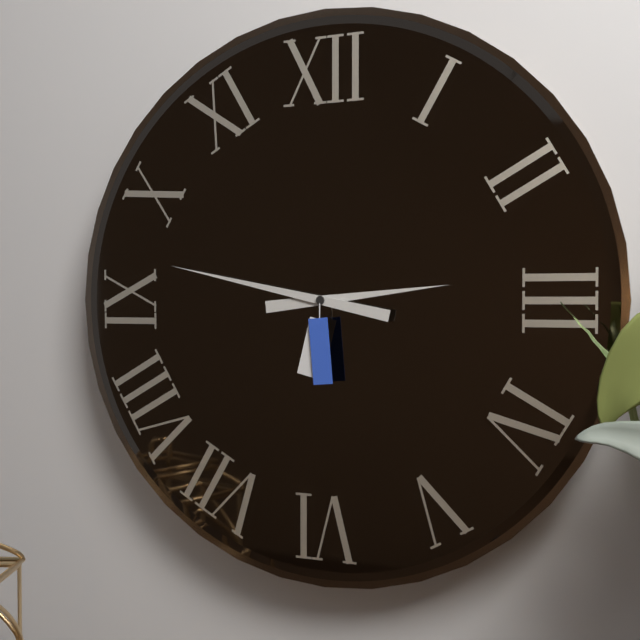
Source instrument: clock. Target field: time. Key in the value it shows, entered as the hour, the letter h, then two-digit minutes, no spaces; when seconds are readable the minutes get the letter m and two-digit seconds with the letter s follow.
2h47
